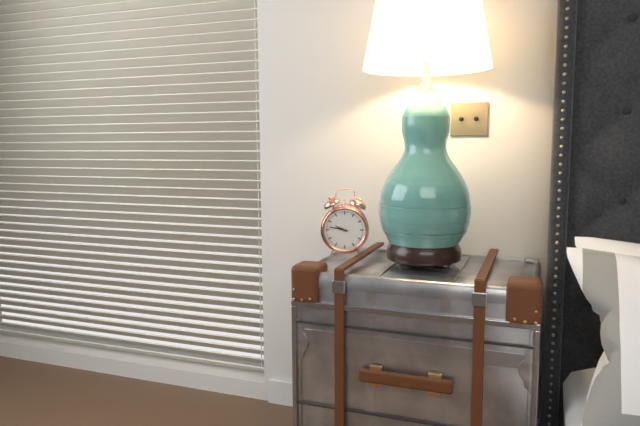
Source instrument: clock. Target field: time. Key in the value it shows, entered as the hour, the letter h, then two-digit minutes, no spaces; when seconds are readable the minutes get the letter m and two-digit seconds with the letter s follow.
9h47
